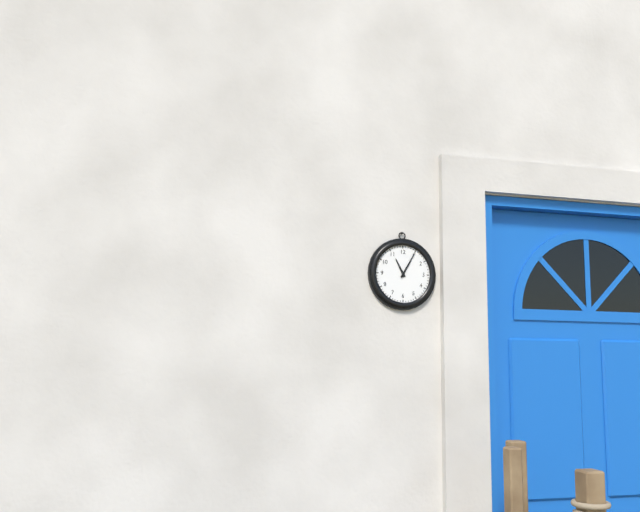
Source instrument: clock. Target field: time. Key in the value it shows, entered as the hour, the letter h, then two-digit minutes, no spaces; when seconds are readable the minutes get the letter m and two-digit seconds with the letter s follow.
11h05
